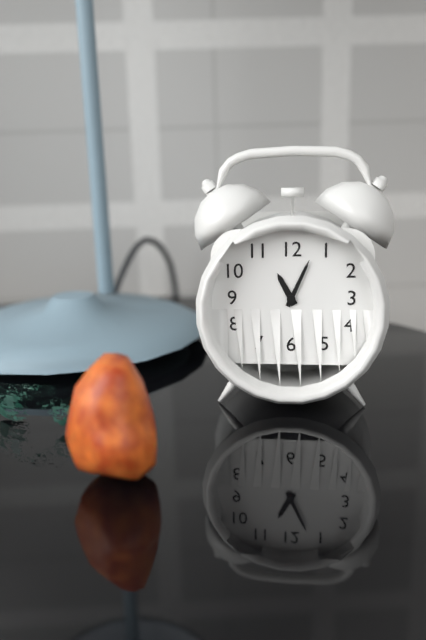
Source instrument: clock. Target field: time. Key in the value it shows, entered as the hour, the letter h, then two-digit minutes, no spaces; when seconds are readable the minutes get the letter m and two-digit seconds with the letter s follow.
11h04
